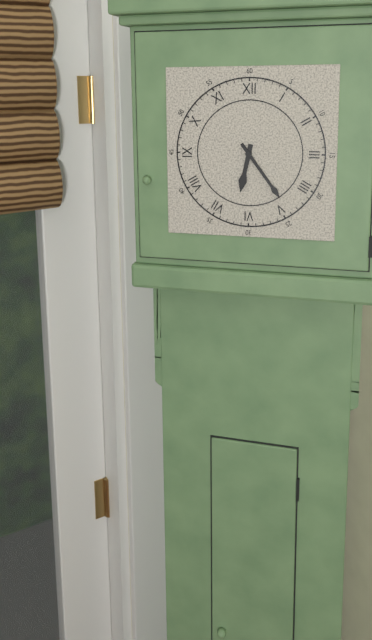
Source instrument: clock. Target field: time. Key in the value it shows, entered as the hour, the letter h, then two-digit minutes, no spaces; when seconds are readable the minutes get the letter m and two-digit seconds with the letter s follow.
6h24
